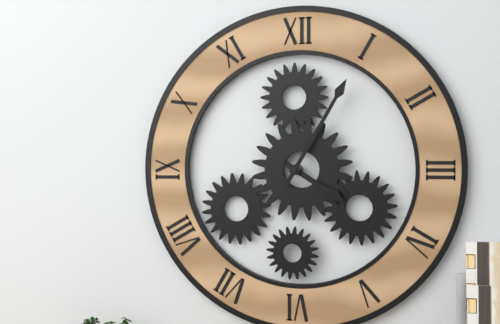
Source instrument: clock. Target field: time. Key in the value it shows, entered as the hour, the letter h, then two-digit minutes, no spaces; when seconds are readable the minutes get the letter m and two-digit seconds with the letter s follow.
4h05
